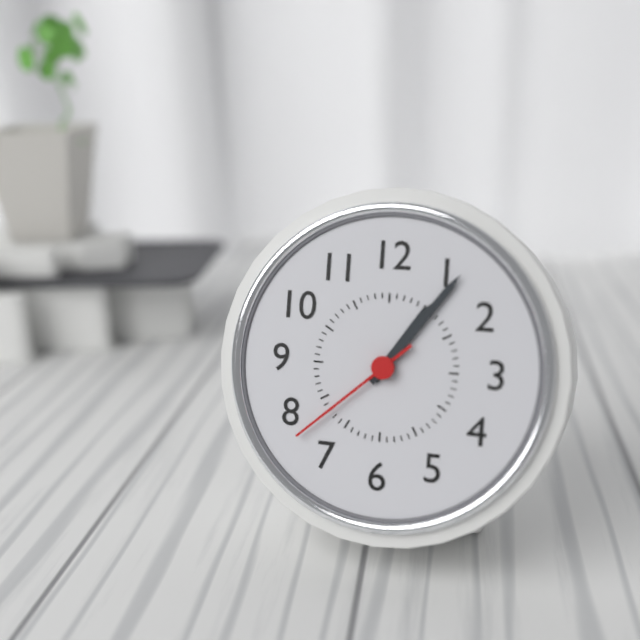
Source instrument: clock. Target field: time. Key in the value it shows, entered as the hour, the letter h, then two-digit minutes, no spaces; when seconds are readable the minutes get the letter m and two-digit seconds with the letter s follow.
1h06m38s
